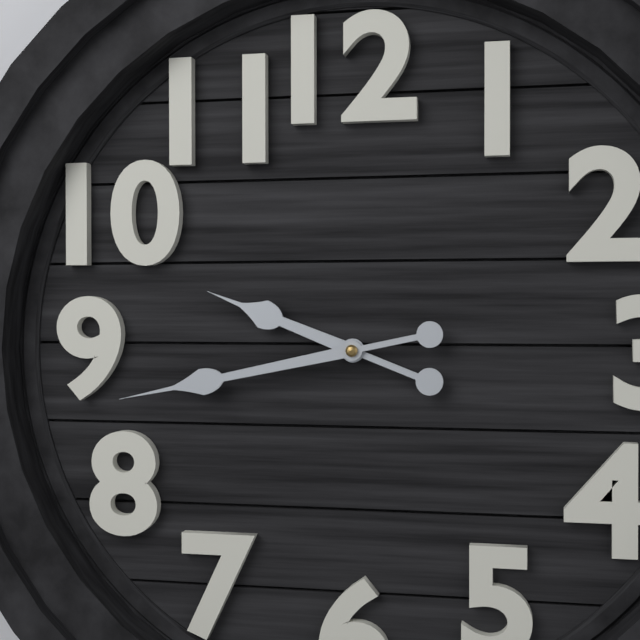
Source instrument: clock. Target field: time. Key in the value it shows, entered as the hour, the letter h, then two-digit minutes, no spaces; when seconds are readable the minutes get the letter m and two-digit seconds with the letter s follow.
9h43
